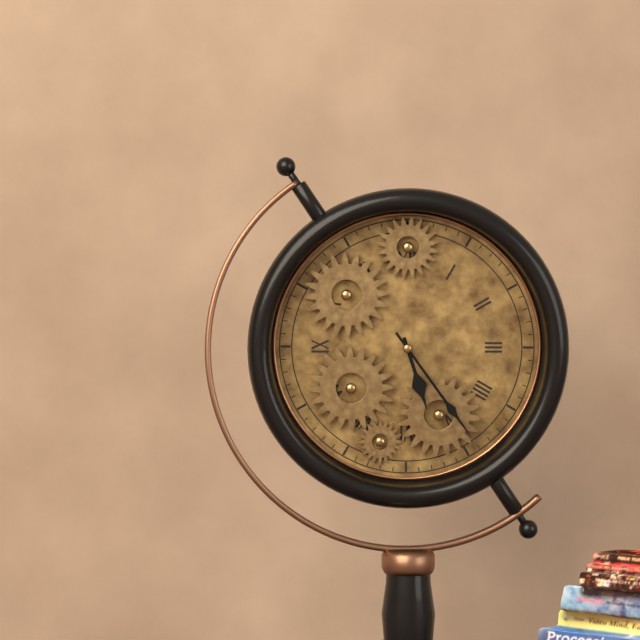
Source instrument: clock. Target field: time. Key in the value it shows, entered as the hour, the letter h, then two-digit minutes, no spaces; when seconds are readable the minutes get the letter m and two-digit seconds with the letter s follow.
5h24
